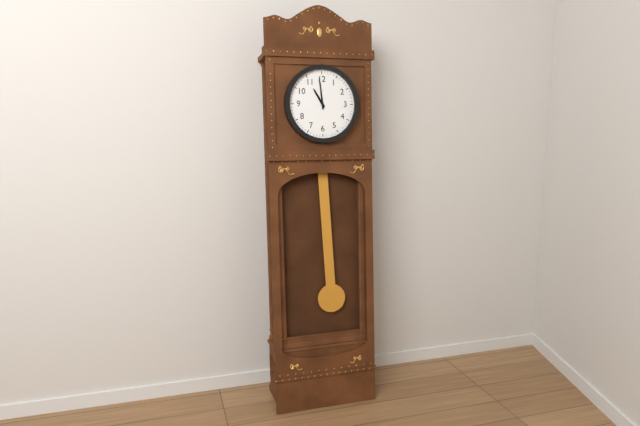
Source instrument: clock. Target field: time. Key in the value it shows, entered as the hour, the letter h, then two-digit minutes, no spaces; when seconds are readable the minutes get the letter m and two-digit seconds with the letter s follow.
10h59
